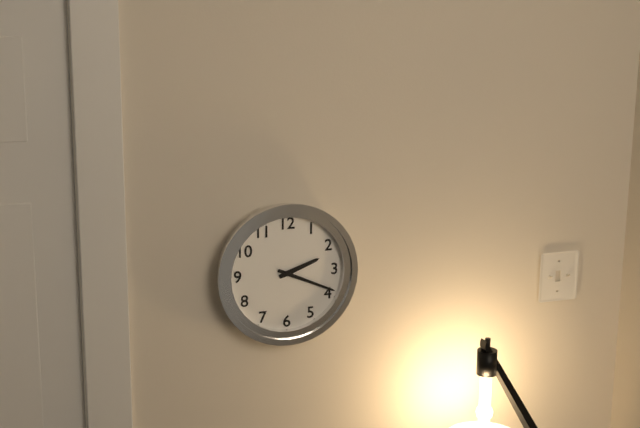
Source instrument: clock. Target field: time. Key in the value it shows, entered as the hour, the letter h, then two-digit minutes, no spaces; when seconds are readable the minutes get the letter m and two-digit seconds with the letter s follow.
2h19
